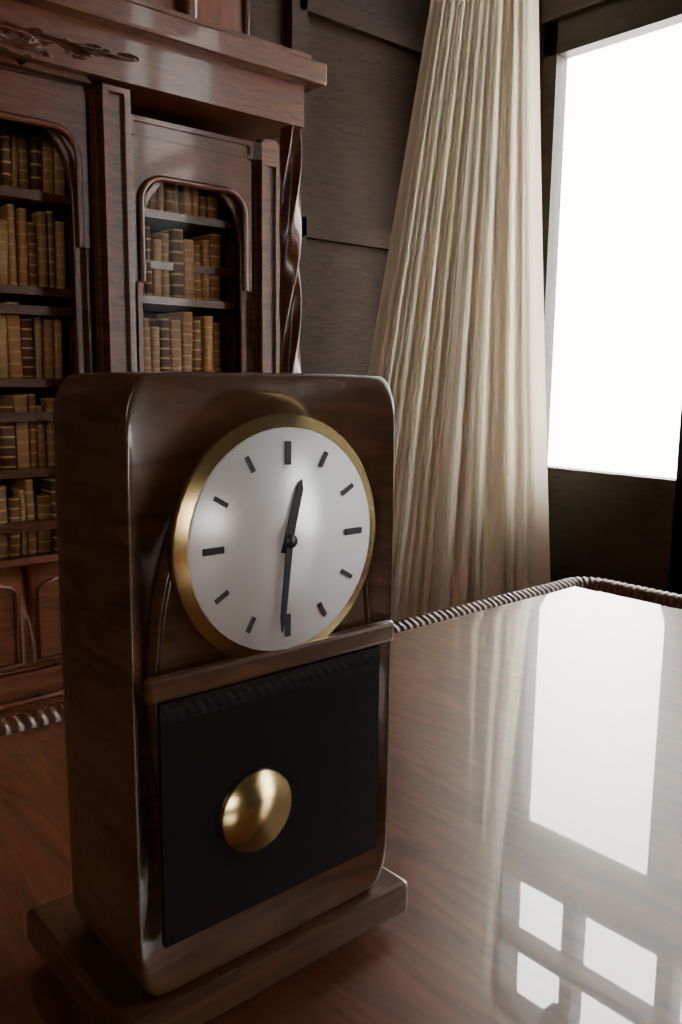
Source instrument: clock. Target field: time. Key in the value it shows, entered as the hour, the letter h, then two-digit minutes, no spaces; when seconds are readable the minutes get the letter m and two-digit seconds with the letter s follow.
12h31
